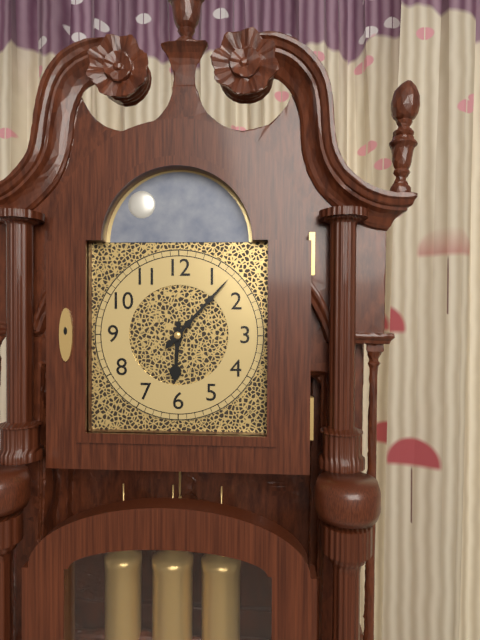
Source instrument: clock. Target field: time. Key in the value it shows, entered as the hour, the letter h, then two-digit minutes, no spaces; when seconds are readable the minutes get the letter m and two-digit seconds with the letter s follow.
6h07
